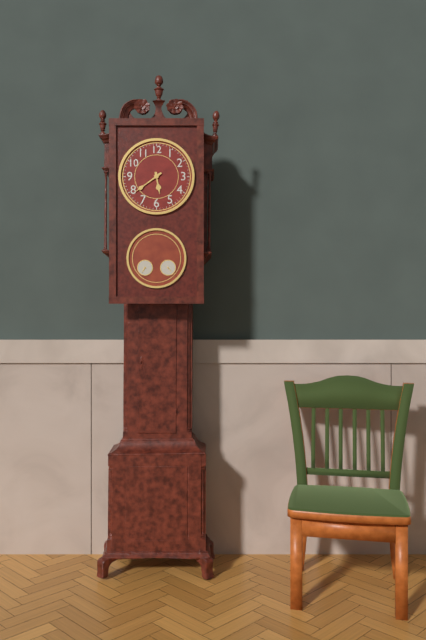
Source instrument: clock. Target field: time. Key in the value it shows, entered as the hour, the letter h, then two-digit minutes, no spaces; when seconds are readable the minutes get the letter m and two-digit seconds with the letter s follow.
5h39
